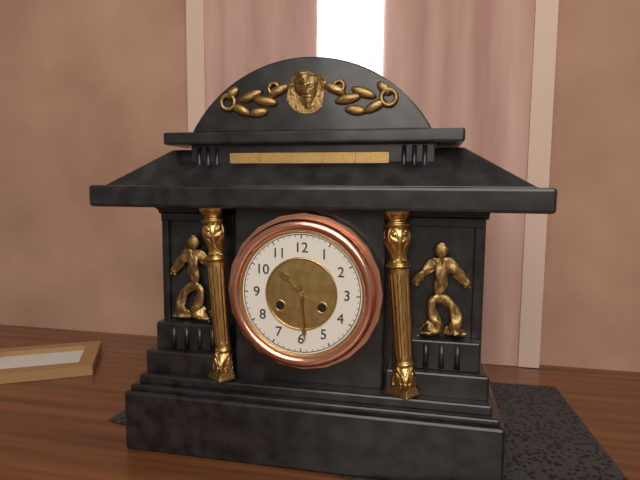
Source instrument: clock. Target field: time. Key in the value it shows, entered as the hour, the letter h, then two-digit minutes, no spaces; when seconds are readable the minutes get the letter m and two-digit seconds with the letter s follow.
10h29
